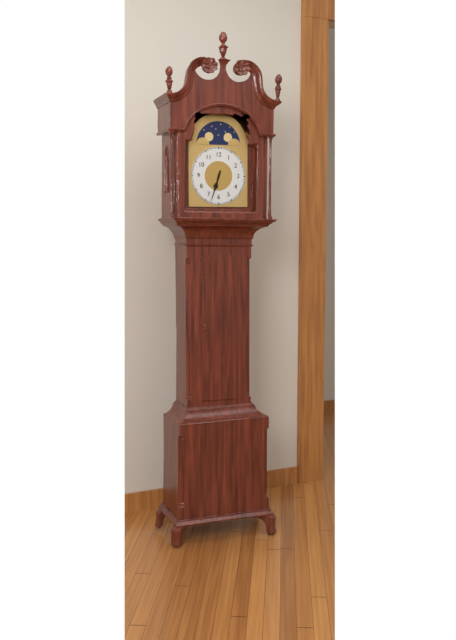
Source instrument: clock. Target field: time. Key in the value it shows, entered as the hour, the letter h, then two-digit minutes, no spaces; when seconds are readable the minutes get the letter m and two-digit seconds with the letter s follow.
6h33
